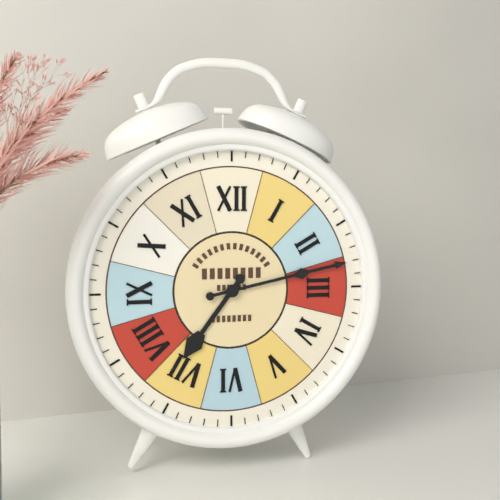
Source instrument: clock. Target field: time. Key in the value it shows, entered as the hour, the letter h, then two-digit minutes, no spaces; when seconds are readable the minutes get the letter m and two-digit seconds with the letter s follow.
7h13
